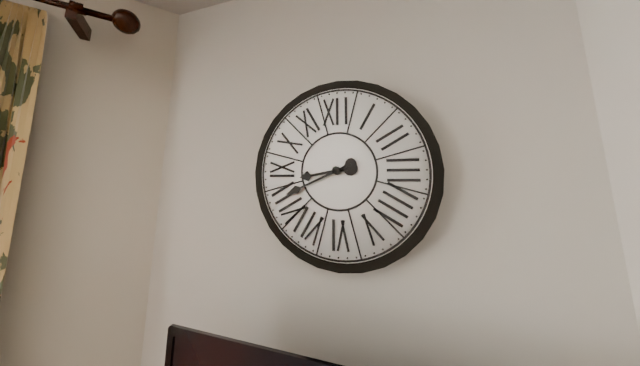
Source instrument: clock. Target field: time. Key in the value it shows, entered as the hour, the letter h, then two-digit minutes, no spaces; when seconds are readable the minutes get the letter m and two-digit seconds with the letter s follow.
8h41
